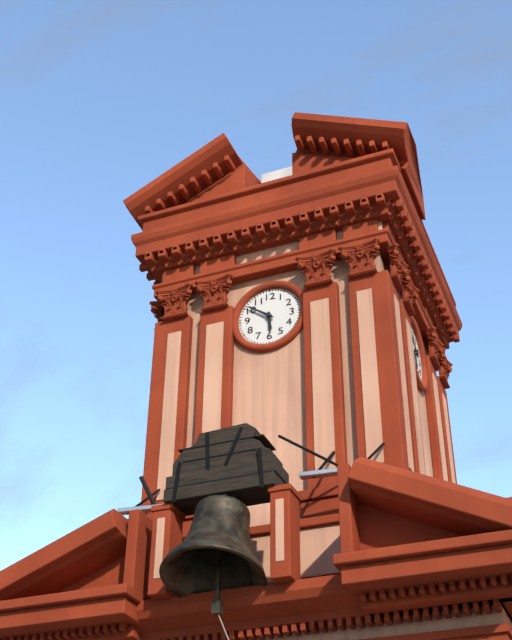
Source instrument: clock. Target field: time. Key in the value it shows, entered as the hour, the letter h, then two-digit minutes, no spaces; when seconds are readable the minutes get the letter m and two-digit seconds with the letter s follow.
5h51
